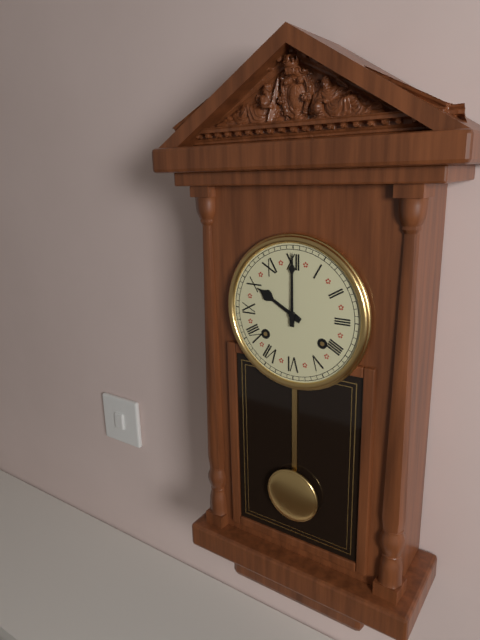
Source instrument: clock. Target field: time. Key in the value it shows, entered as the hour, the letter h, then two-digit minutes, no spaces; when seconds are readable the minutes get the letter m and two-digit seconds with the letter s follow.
10h00
